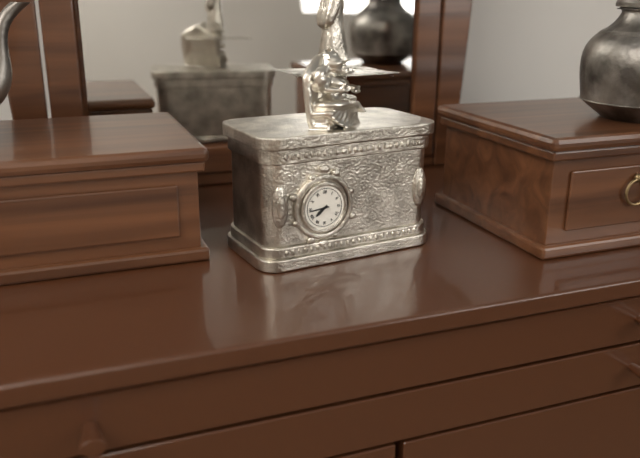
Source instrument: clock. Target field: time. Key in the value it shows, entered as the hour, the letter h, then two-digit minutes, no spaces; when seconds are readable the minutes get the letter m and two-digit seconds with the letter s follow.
7h44
